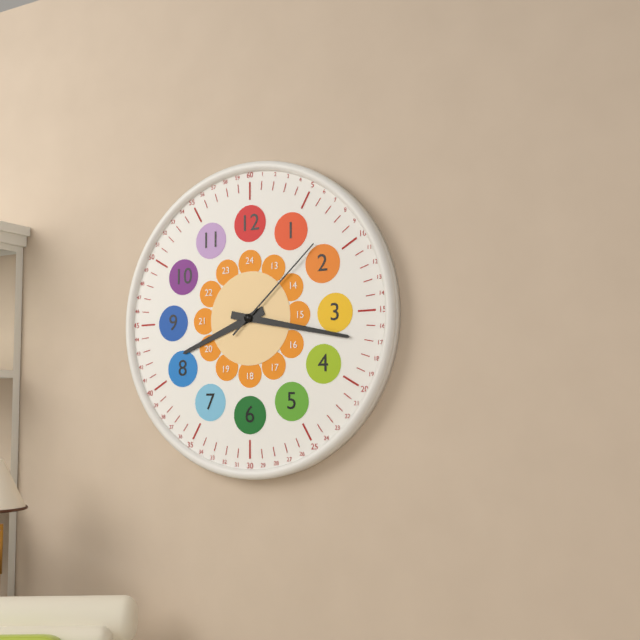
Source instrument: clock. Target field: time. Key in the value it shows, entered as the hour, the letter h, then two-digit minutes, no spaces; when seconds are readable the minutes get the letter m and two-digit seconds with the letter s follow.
8h17m08s
